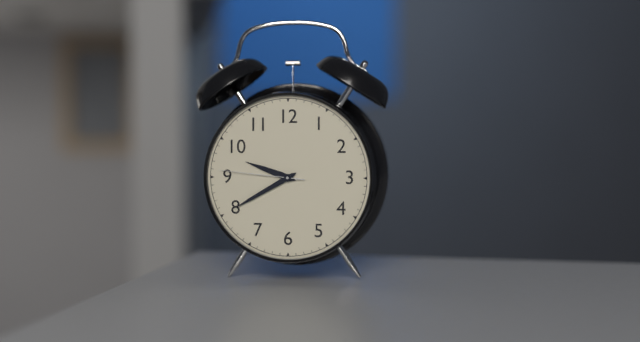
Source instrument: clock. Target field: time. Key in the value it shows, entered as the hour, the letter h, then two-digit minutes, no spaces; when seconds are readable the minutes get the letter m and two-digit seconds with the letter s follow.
9h40m46s
